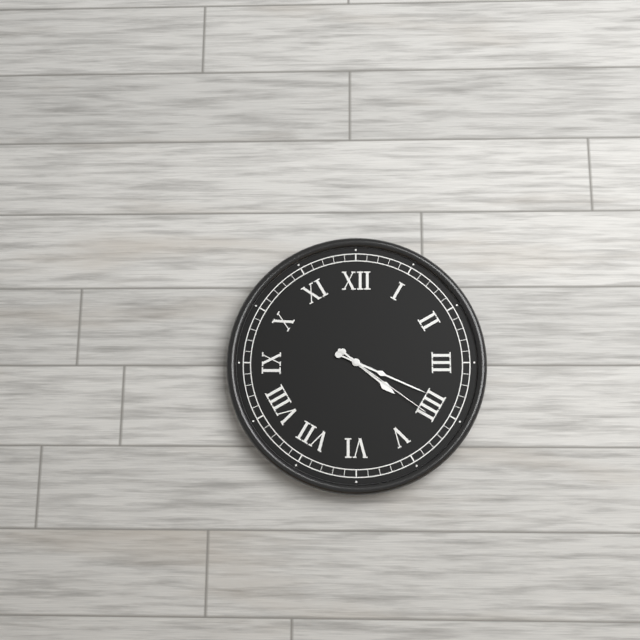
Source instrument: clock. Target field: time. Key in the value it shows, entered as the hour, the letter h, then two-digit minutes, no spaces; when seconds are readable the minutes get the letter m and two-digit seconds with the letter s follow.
4h19m21s
